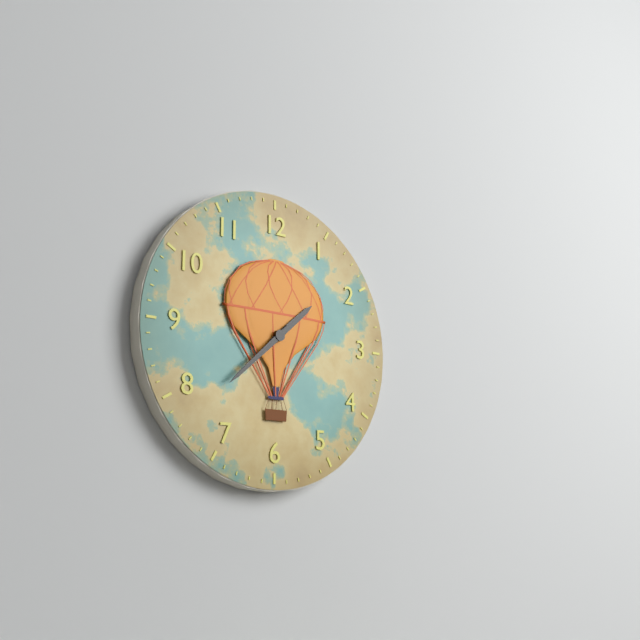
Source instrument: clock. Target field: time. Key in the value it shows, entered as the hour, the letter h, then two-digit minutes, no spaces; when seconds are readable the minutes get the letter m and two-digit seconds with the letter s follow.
1h38
